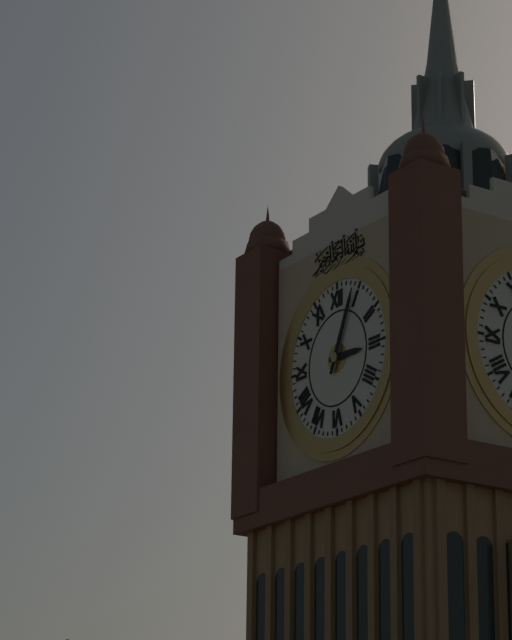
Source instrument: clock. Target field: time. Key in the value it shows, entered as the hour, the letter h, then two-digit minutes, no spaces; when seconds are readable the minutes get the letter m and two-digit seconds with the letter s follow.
3h04
